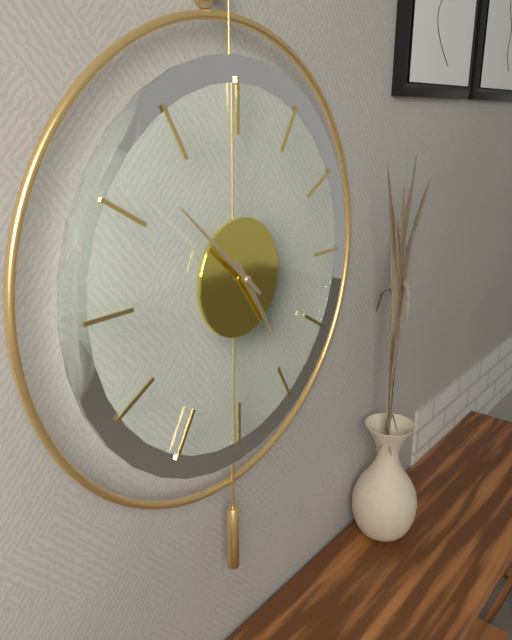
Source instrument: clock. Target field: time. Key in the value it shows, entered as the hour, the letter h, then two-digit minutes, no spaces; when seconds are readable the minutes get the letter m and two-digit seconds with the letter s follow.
4h52
